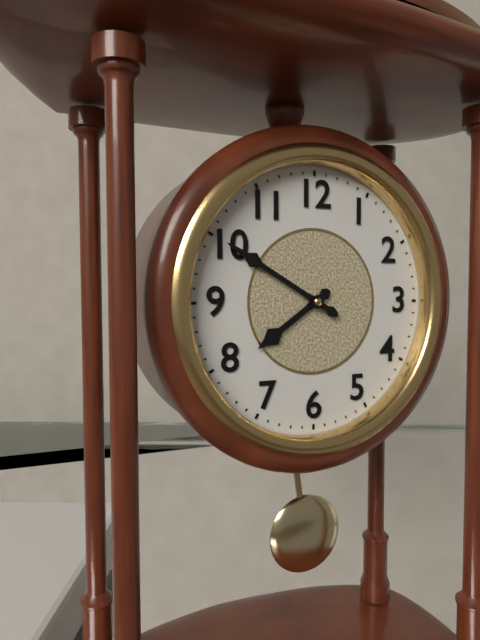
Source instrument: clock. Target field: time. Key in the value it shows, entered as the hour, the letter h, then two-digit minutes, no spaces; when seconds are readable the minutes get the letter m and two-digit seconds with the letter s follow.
7h50
